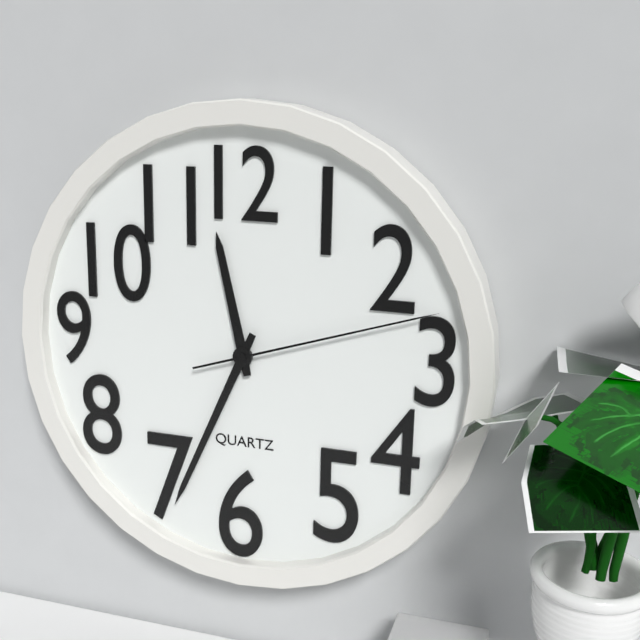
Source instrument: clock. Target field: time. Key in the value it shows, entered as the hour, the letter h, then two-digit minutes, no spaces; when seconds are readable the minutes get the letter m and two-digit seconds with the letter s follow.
11h34m12s
